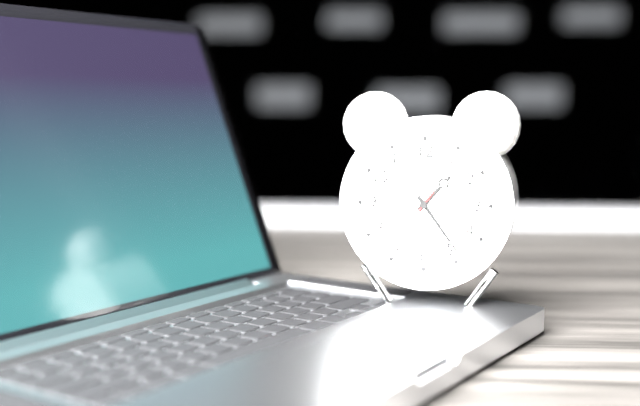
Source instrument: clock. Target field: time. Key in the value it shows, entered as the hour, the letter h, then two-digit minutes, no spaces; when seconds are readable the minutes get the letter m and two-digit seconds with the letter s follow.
1h24m36s
